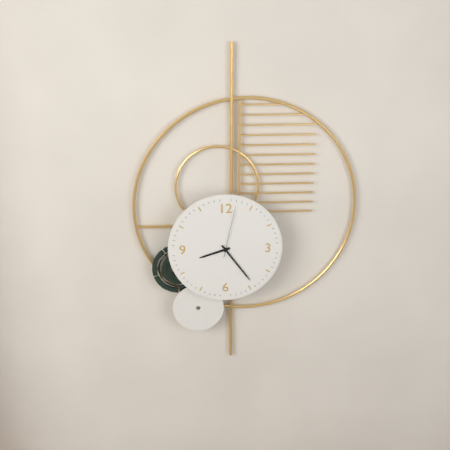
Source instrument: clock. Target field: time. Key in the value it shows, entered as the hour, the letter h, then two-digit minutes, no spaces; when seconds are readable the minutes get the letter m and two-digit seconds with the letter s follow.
8h24m02s
